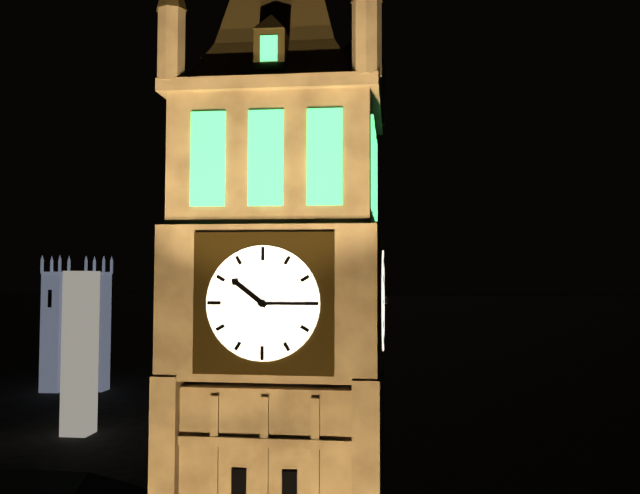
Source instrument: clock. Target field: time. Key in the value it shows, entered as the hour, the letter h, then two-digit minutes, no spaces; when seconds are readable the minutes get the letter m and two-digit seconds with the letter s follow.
10h15
